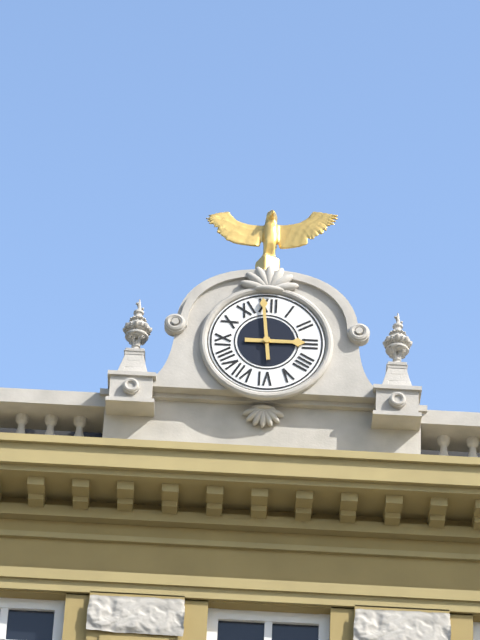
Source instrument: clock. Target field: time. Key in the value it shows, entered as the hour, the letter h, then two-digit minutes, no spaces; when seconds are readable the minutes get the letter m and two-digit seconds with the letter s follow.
2h59
